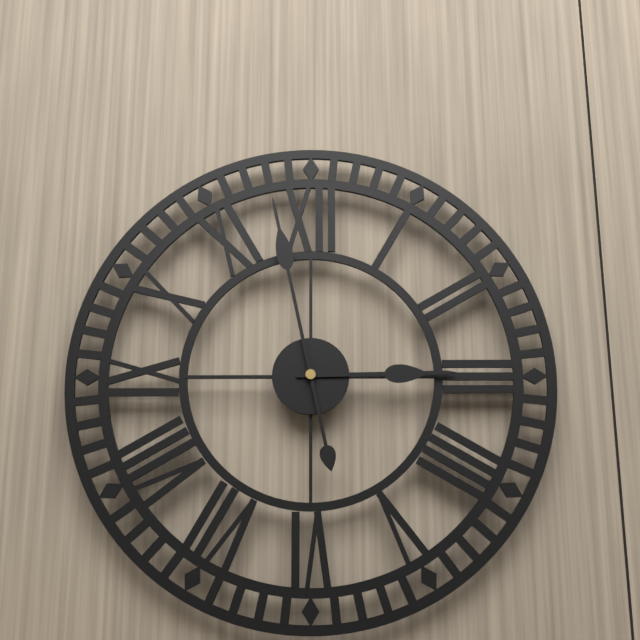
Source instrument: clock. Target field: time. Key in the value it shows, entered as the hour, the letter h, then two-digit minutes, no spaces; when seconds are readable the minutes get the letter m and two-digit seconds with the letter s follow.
2h58
